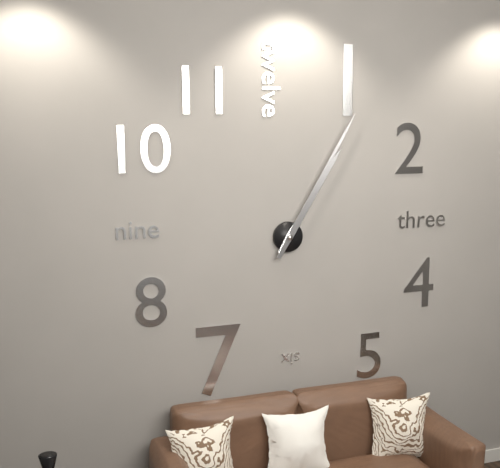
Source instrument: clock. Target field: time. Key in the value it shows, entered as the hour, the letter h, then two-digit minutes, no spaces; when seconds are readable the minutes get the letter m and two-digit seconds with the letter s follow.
1h05
